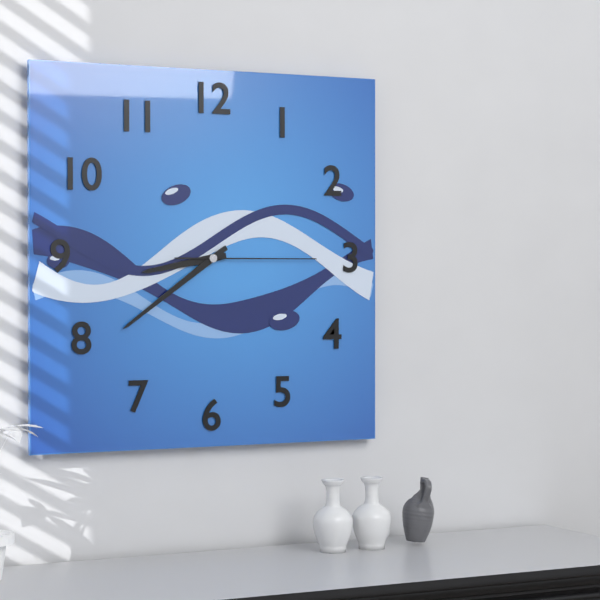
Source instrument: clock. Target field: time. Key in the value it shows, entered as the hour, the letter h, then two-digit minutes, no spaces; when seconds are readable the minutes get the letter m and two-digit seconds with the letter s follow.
8h39m15s
